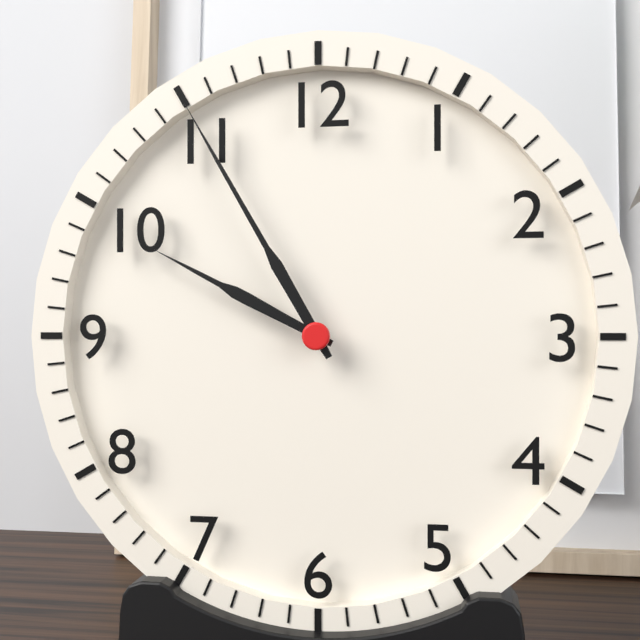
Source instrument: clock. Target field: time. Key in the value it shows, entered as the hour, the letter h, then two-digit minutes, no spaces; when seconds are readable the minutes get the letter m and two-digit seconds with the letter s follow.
9h55
